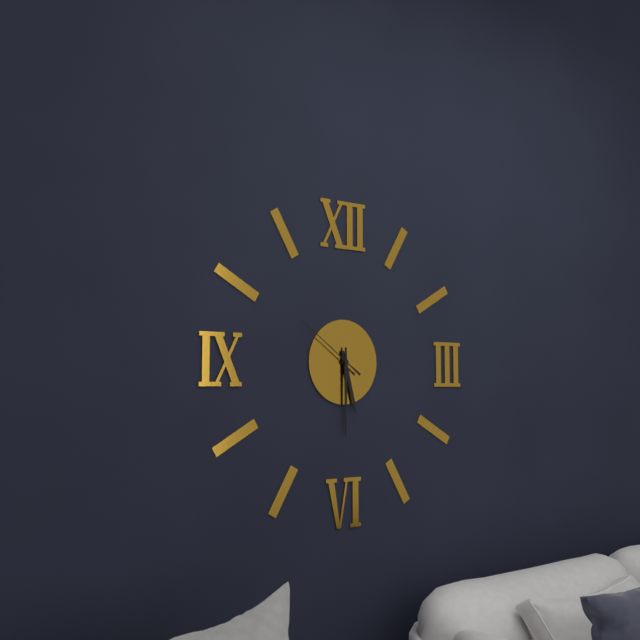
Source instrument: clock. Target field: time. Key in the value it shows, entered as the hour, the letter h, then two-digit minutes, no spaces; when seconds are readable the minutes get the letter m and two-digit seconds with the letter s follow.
5h30m51s
